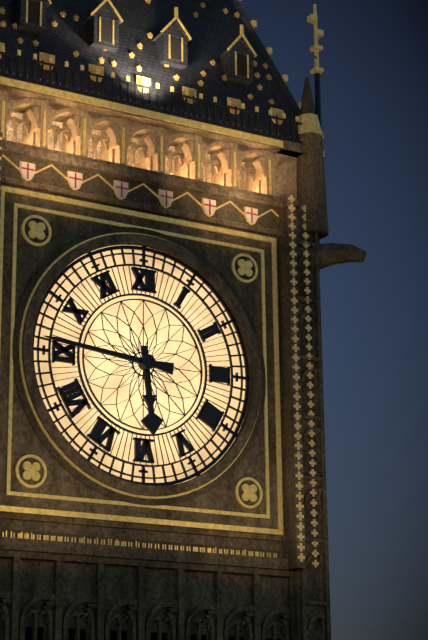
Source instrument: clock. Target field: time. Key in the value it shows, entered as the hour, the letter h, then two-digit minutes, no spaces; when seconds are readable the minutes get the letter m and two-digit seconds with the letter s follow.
5h46
